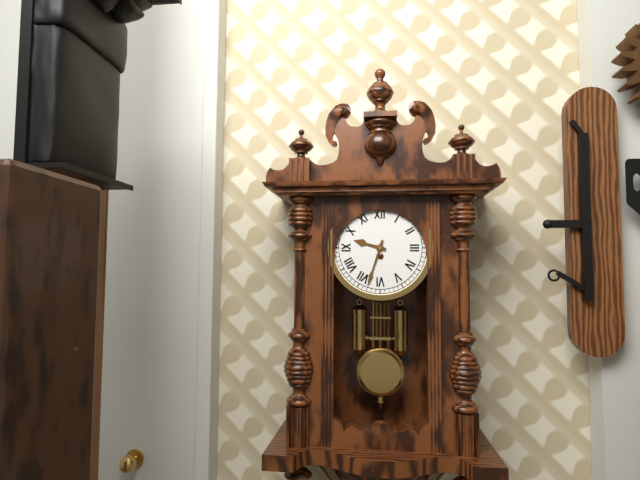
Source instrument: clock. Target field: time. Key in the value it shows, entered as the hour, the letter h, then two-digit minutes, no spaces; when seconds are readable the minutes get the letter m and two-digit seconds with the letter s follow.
9h33
